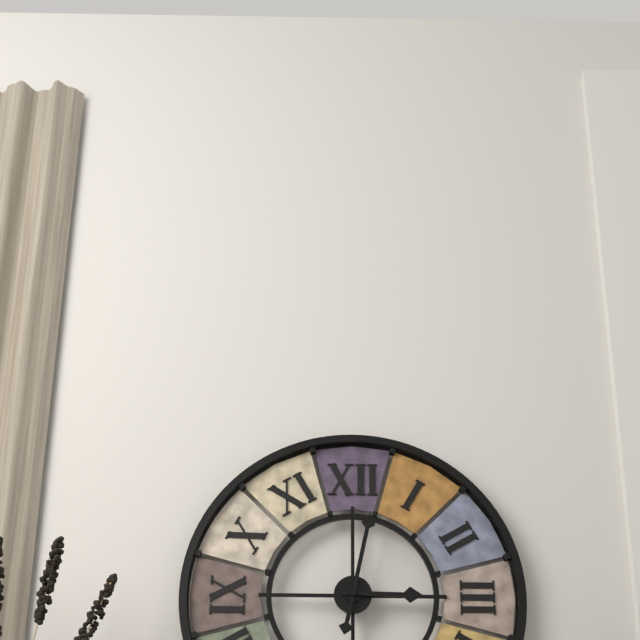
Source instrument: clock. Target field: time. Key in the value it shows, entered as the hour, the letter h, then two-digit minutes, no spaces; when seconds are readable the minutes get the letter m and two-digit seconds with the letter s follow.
3h02
